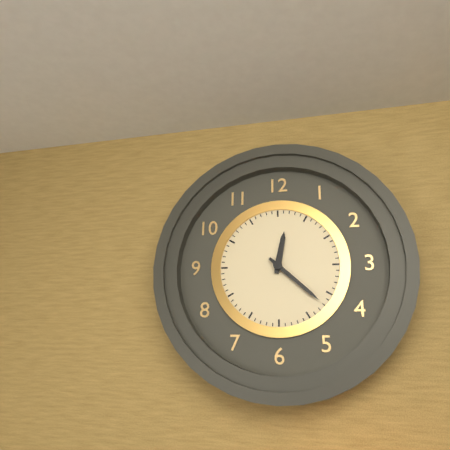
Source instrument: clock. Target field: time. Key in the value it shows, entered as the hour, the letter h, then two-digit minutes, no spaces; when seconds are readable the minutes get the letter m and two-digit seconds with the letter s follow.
12h22
